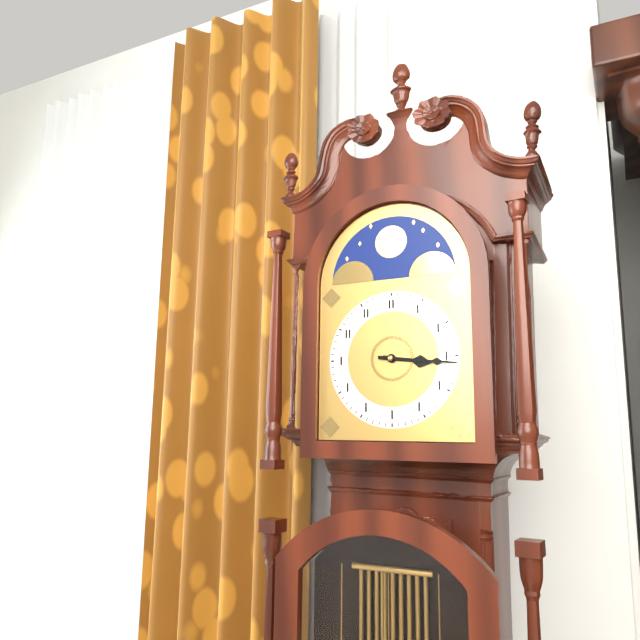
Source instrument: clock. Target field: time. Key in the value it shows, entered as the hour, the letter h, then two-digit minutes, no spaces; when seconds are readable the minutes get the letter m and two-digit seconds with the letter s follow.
3h16
